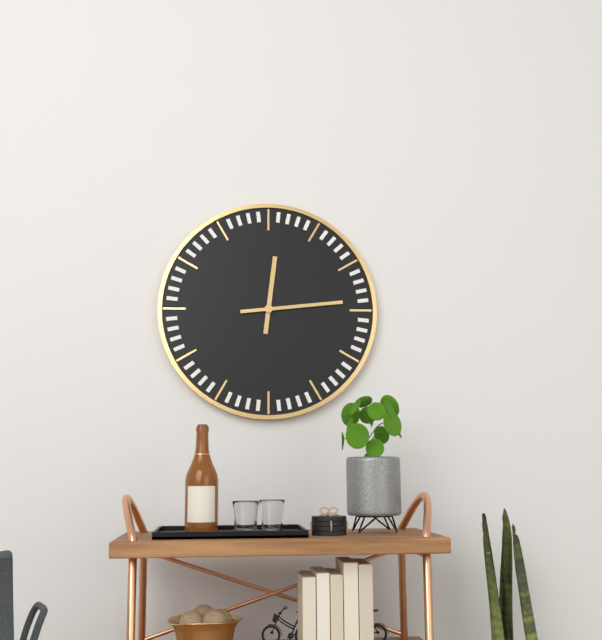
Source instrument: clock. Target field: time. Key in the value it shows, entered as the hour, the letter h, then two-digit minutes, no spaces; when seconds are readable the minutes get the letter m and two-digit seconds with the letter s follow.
12h14
